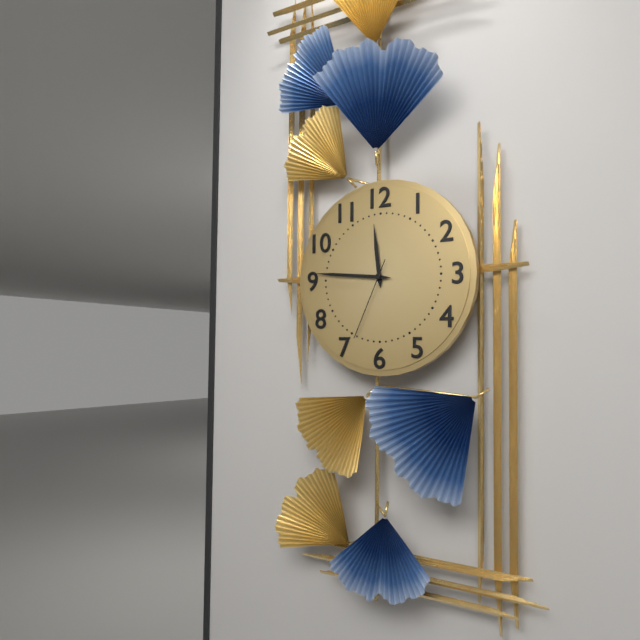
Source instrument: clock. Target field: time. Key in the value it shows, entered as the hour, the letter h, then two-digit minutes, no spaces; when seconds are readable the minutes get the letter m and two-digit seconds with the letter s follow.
11h46m34s
